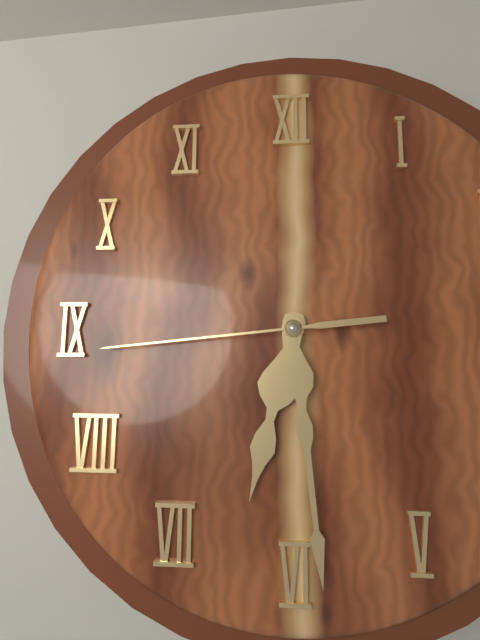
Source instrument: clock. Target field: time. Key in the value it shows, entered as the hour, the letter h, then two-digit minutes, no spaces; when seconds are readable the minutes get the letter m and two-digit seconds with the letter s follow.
6h29m44s
